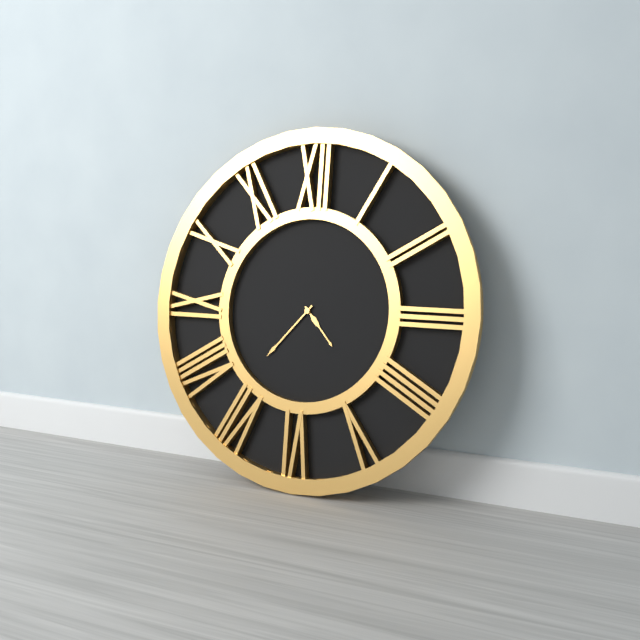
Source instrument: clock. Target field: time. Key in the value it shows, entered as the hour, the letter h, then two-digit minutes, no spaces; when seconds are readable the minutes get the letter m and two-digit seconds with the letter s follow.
4h37
